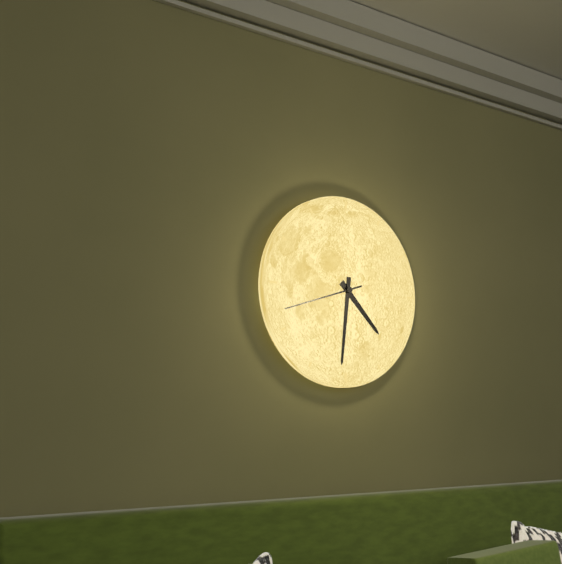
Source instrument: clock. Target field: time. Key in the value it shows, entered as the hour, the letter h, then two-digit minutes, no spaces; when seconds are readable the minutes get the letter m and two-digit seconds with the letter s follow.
4h31m42s
